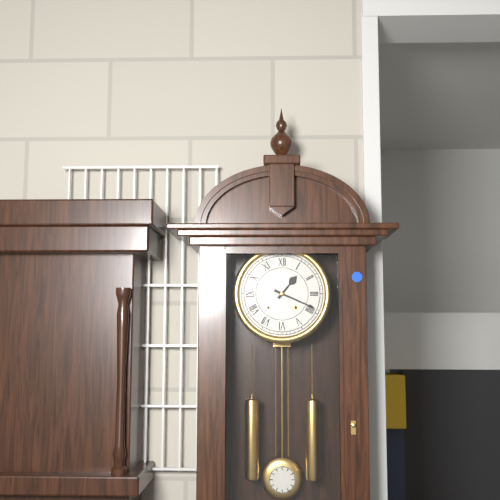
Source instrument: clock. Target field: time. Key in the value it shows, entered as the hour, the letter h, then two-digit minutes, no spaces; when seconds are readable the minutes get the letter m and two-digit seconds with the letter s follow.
1h19
